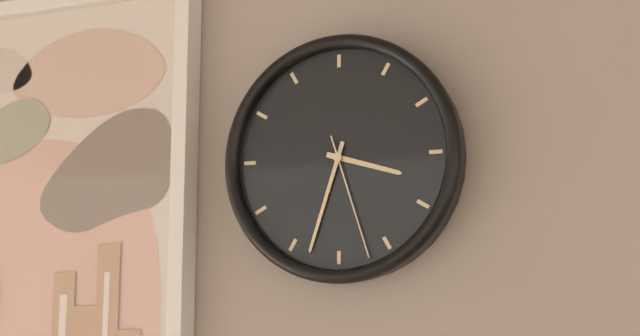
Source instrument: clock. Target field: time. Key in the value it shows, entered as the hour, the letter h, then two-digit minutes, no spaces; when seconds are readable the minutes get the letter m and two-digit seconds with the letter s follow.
3h33m27s
